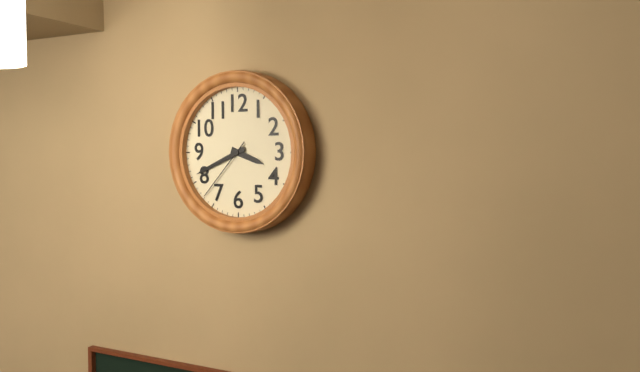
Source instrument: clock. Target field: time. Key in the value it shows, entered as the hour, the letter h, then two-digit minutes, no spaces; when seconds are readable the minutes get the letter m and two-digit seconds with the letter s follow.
3h41m37s
